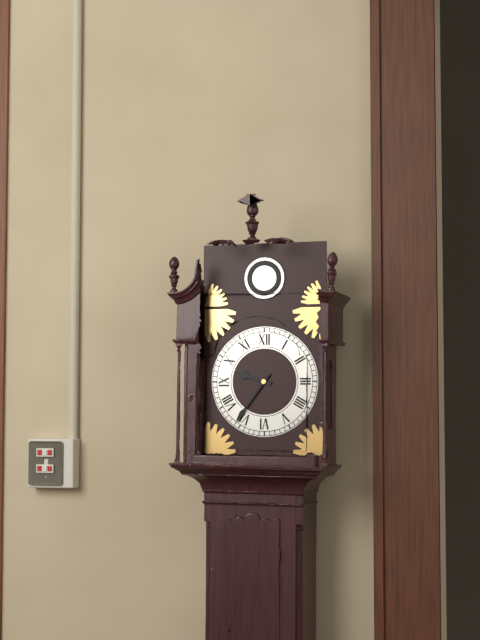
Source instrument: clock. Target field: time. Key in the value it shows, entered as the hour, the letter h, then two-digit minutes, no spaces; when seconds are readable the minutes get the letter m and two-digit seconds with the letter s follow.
9h36
